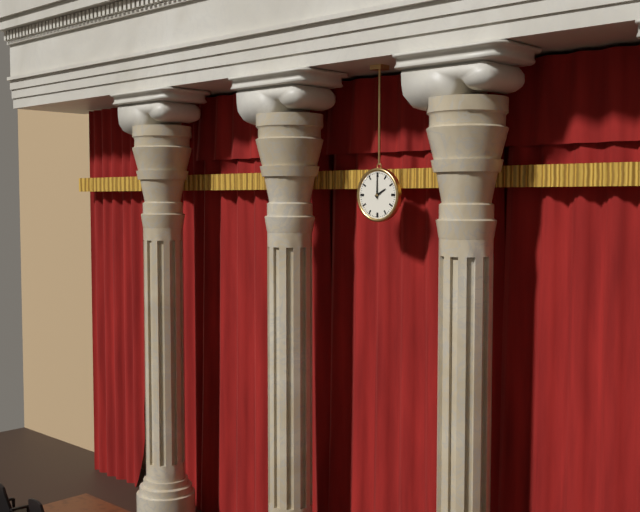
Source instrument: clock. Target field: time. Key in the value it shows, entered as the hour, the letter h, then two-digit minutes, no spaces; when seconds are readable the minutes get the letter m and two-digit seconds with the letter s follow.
2h00
